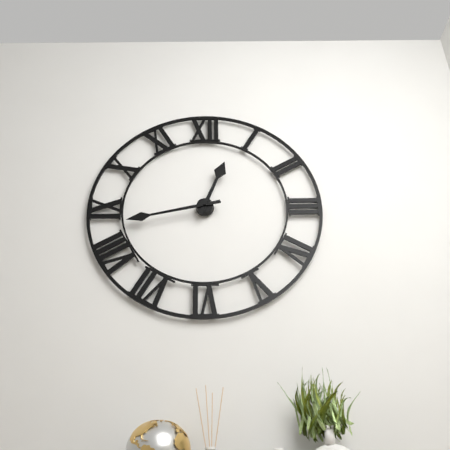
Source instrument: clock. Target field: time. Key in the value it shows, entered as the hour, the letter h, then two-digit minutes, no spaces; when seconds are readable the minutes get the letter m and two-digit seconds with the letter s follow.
12h43
